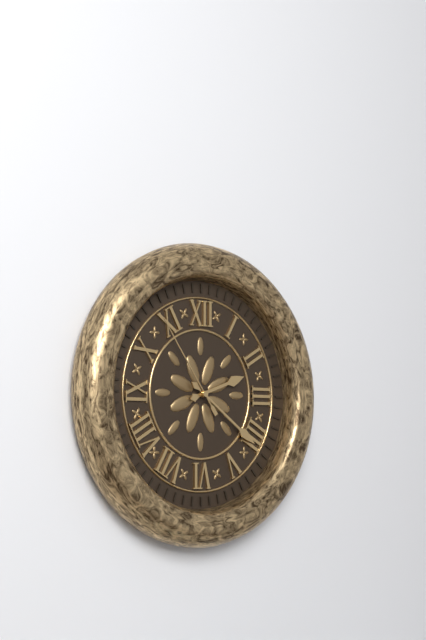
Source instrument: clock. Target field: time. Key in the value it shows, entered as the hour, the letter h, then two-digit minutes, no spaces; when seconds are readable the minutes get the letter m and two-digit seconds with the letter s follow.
2h21m54s
